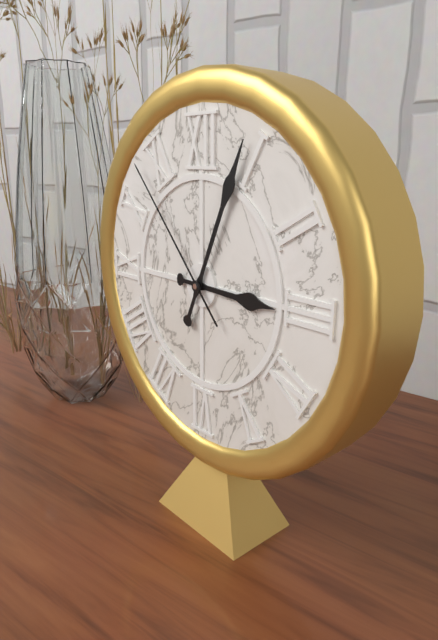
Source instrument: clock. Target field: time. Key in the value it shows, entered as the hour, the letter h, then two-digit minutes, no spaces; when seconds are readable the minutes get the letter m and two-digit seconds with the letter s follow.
3h04m53s
